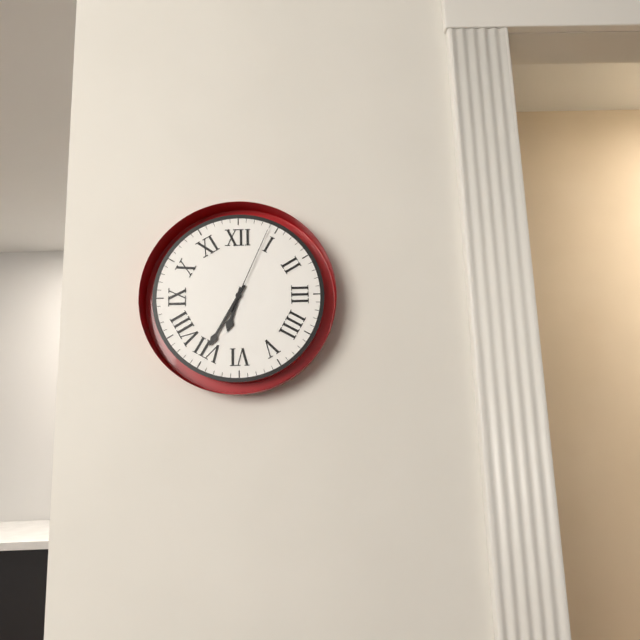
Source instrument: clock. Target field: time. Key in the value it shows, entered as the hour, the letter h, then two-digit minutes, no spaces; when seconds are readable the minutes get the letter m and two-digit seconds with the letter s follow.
6h35m04s
